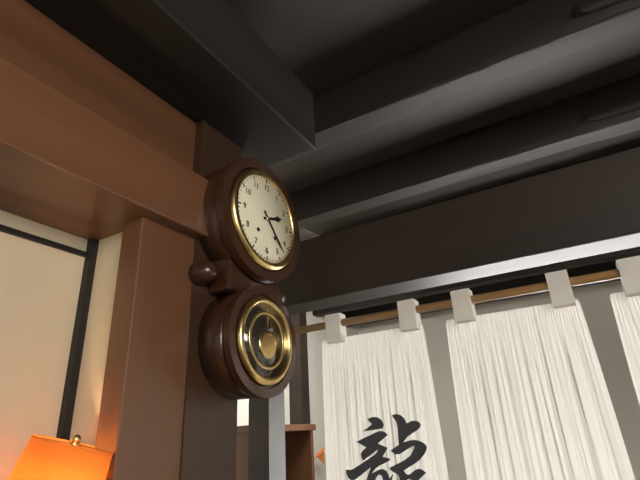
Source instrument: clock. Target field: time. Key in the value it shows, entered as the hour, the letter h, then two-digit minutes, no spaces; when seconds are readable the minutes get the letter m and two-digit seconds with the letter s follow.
2h23
